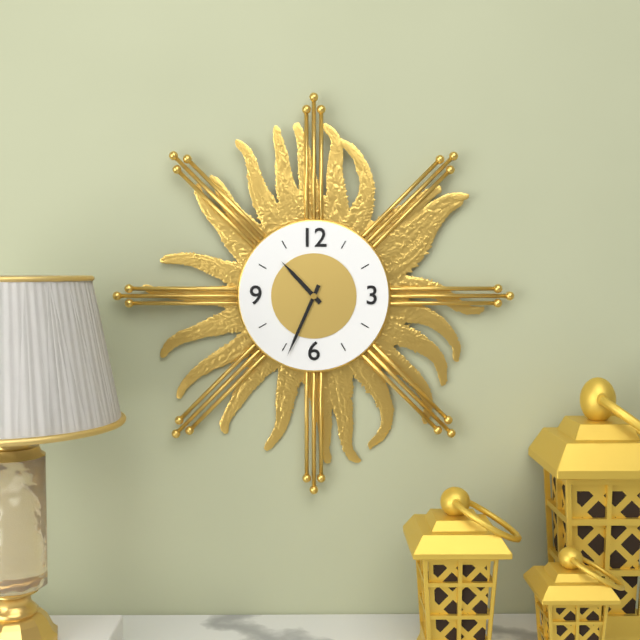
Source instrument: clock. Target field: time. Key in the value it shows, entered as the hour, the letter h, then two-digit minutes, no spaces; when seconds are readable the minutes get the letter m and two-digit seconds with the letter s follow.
10h34
